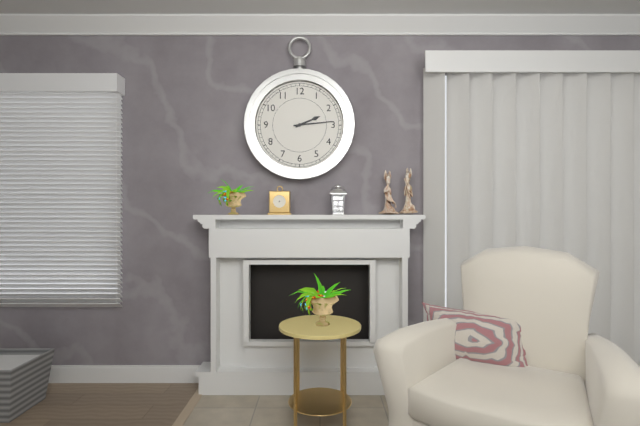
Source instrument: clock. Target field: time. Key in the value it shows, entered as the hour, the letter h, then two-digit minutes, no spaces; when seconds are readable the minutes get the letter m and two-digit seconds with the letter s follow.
2h14
